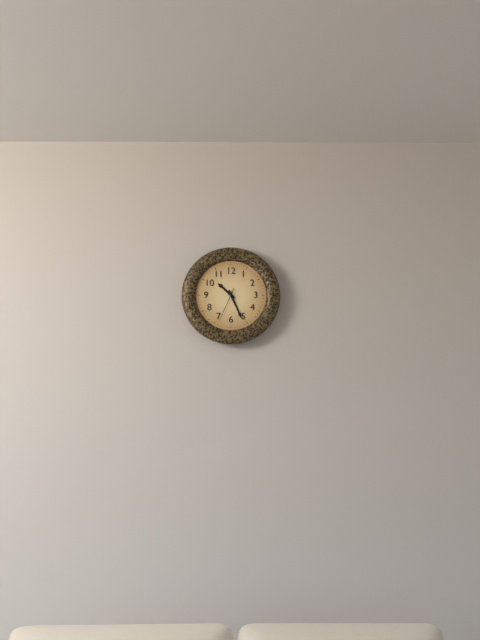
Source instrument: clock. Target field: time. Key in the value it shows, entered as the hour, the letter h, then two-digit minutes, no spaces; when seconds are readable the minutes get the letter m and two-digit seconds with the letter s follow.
10h26
